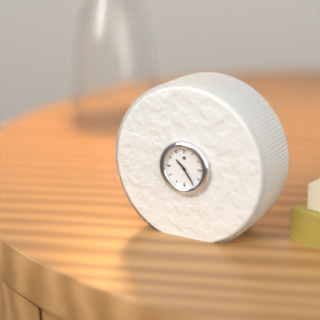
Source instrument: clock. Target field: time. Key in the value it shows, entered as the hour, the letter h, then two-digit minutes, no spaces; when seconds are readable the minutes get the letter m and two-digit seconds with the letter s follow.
10h24
